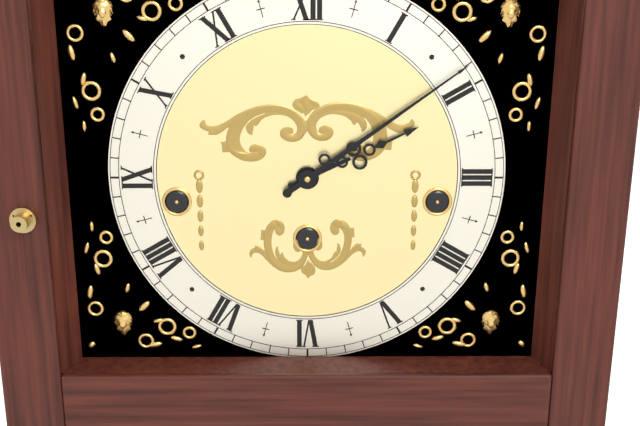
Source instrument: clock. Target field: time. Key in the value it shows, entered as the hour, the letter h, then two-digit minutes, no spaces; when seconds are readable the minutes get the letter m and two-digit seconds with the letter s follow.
2h09
